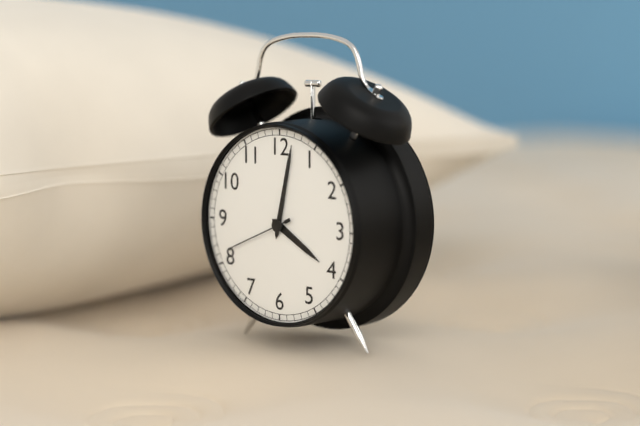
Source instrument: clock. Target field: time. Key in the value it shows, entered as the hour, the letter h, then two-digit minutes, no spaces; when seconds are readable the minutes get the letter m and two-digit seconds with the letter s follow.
4h02m41s
